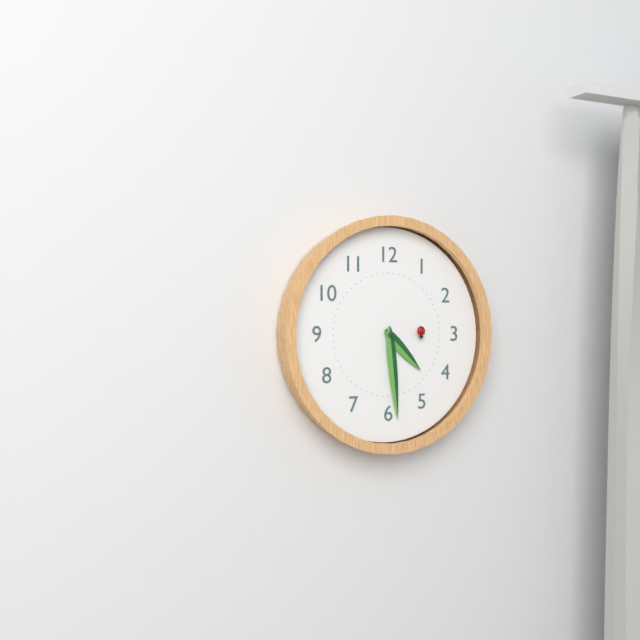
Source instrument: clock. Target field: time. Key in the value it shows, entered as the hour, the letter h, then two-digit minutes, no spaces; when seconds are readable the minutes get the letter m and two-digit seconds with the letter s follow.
4h29
